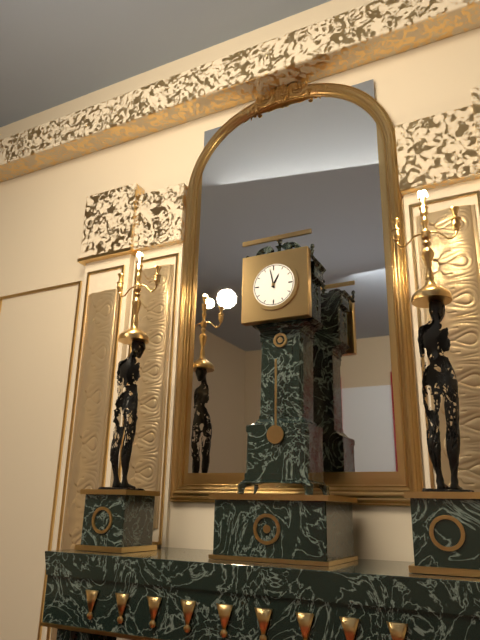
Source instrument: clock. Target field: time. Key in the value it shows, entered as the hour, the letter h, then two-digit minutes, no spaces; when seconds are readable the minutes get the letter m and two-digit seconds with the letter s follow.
12h58
